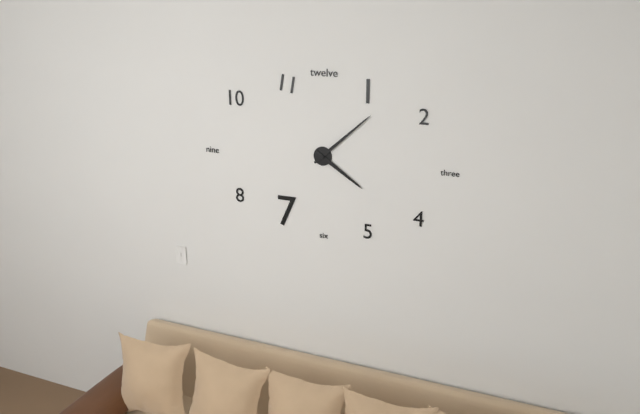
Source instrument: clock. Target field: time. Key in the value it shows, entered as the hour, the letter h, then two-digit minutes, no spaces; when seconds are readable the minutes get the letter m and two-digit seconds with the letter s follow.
4h08
